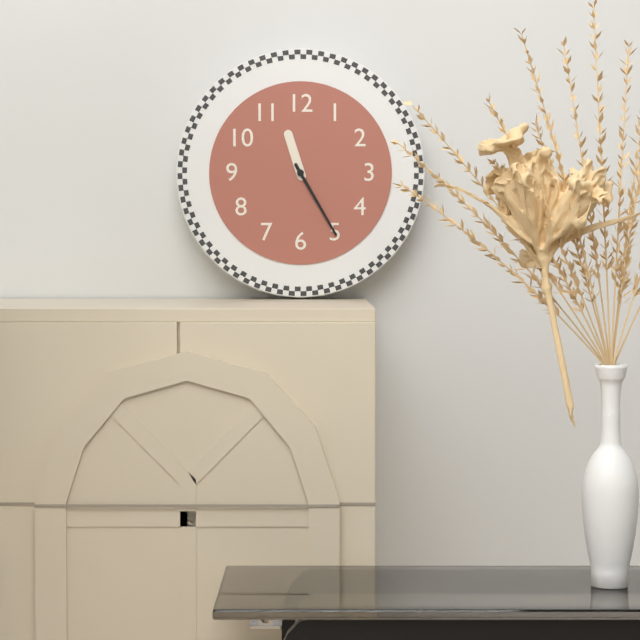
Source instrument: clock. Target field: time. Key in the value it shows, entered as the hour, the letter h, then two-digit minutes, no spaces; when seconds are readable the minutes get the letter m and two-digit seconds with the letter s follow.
11h25
